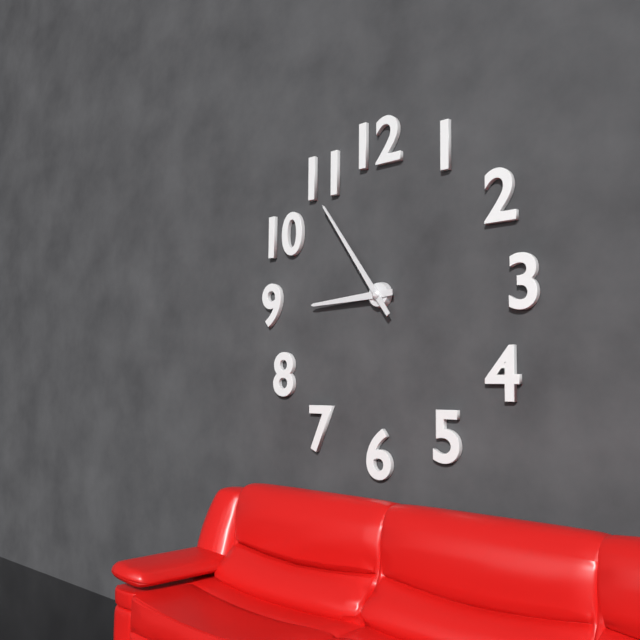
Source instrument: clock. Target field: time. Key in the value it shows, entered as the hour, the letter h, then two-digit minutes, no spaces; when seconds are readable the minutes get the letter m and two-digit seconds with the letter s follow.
8h54
